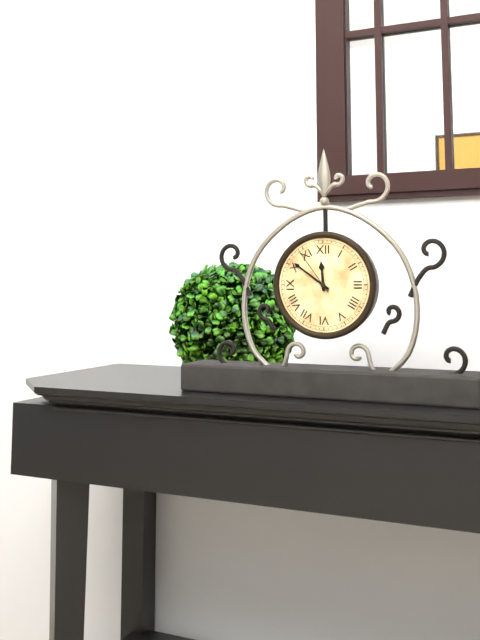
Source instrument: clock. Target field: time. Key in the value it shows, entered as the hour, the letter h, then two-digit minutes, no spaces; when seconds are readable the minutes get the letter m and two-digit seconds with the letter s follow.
11h51m54s
